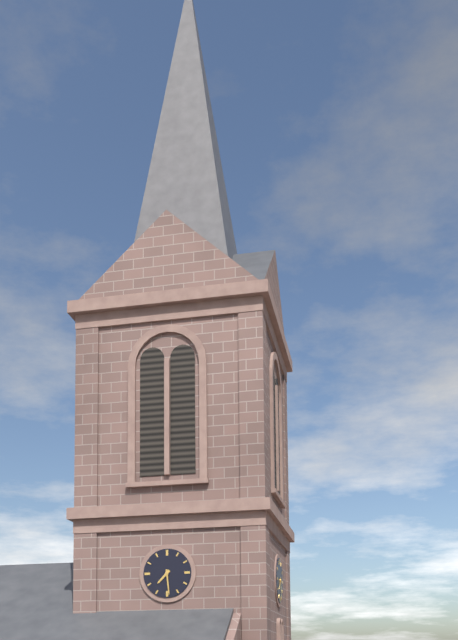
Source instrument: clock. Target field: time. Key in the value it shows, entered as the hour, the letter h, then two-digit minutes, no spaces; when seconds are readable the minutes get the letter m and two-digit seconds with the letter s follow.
7h29
